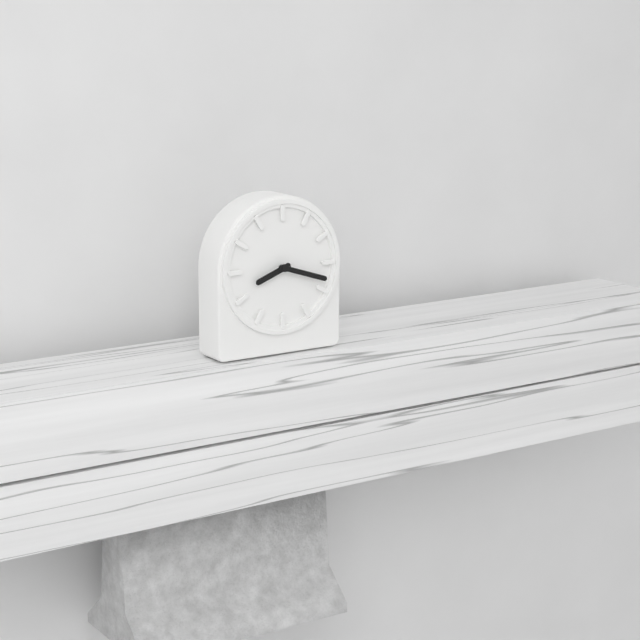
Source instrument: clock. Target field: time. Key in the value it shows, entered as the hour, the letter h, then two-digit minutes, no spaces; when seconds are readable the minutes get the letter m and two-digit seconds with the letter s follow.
8h18
